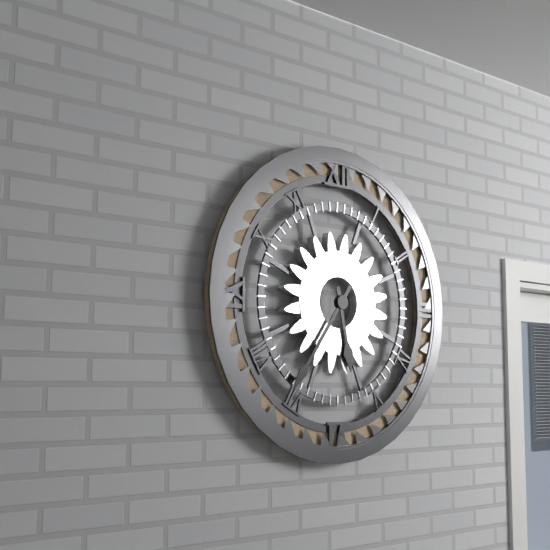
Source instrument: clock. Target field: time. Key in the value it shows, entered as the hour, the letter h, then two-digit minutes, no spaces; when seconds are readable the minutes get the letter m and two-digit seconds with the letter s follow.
5h36
